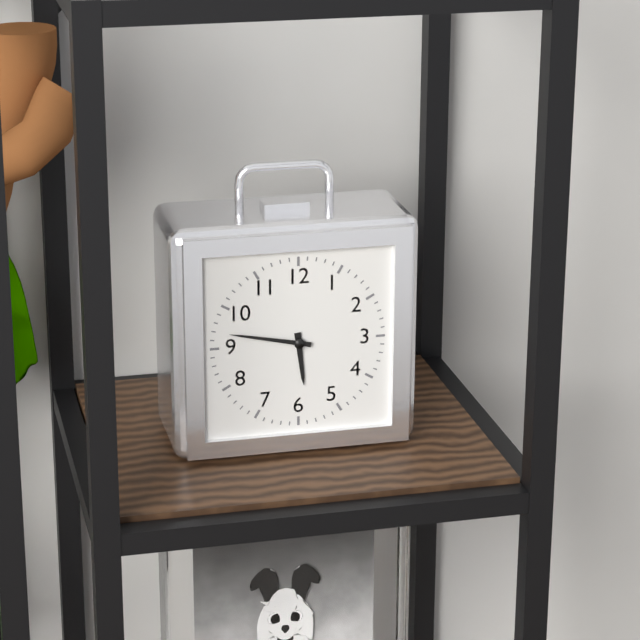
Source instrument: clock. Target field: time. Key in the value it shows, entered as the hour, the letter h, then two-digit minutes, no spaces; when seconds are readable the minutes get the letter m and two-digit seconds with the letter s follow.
5h47
